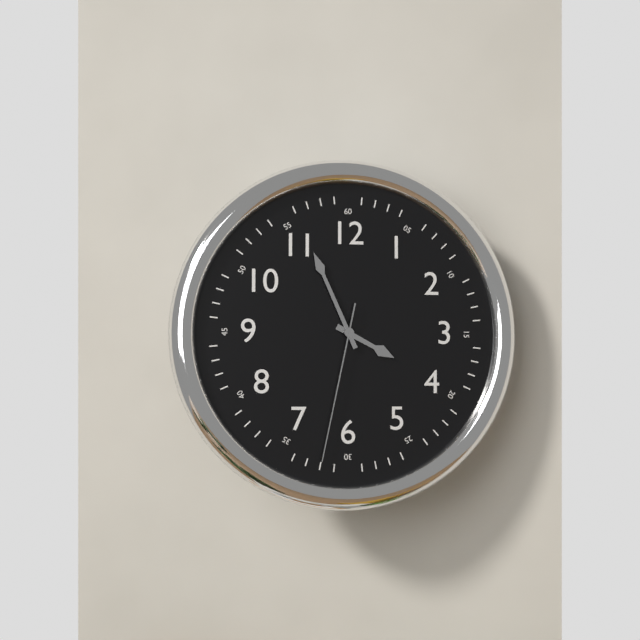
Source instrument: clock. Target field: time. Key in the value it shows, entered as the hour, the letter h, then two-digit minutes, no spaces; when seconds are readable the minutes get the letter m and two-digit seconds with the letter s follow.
3h56m32s
